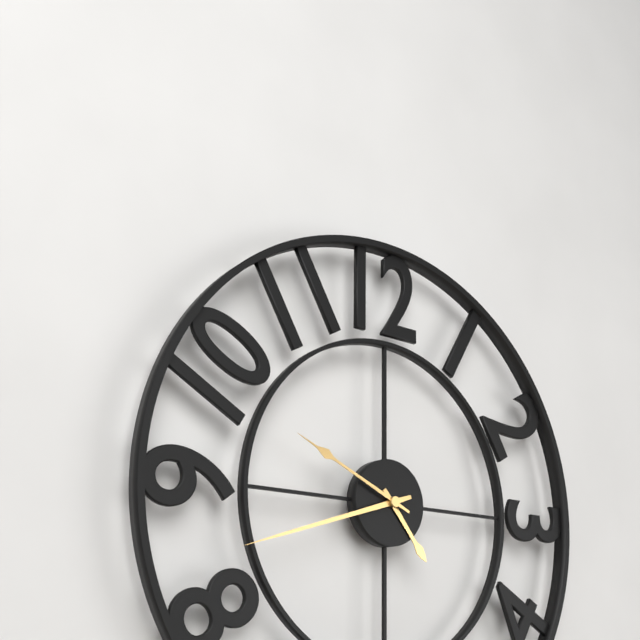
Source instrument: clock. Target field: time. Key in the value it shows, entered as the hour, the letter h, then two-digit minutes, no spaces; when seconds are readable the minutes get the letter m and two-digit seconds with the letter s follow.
4h42m49s
